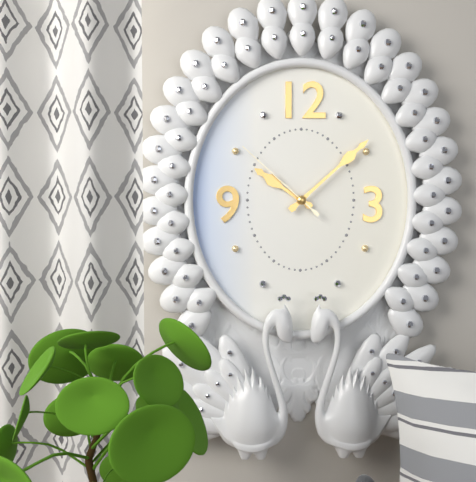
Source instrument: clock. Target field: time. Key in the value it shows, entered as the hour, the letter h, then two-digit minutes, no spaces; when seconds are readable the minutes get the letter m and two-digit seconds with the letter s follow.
10h08m52s
